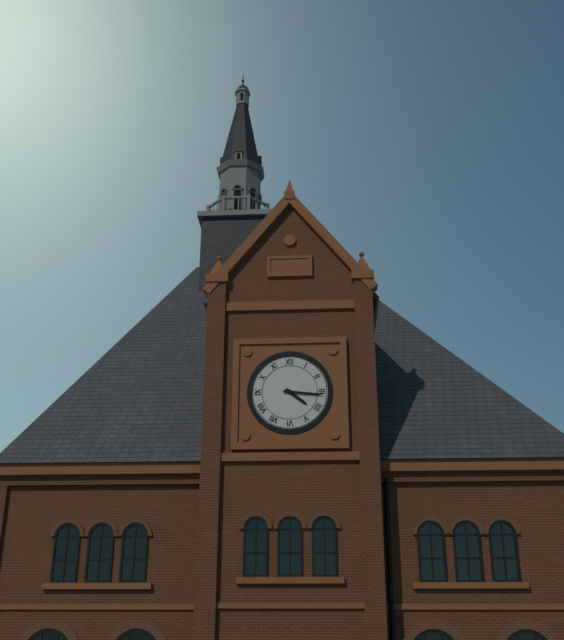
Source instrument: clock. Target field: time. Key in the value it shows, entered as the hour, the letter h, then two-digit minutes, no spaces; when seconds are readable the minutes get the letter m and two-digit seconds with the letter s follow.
4h16
